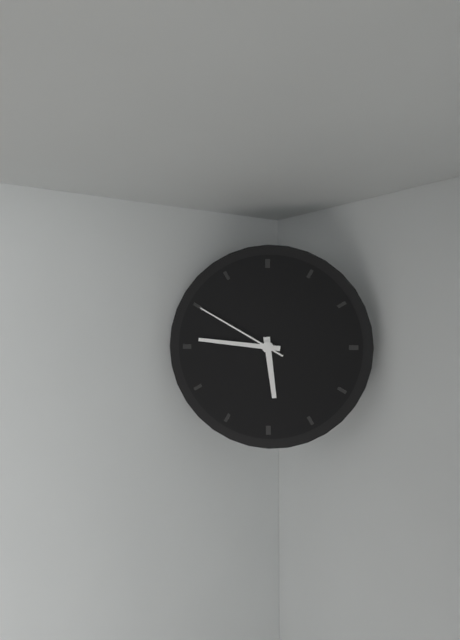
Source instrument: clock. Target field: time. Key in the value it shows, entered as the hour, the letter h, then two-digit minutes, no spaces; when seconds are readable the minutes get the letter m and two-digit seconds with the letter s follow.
5h46m50s
